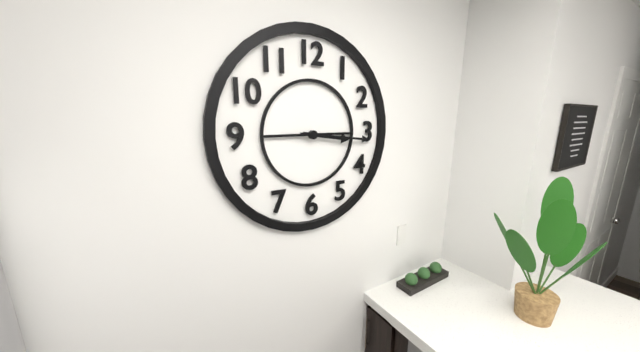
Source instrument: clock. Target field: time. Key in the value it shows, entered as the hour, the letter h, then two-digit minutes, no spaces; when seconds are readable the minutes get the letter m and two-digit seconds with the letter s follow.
3h16
